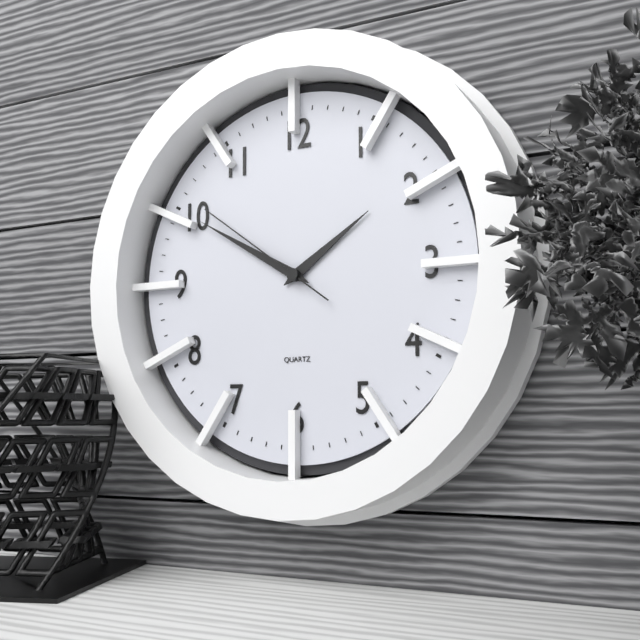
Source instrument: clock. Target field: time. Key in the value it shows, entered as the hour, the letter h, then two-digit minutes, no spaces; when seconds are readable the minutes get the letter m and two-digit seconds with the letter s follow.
1h50m51s
